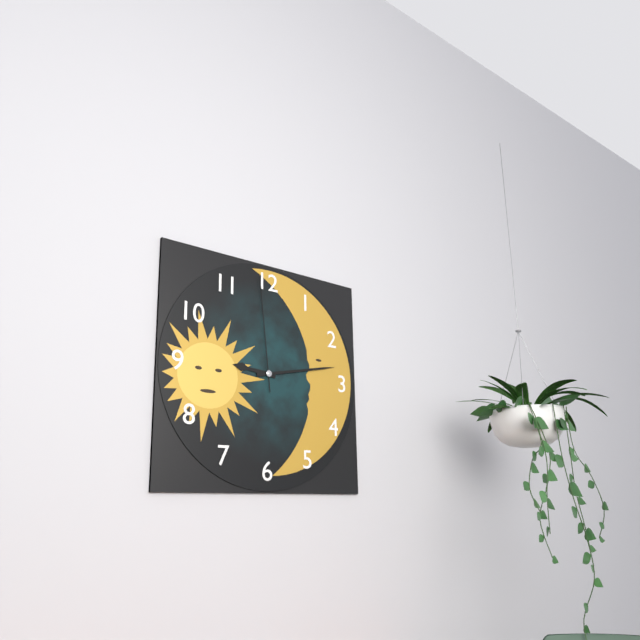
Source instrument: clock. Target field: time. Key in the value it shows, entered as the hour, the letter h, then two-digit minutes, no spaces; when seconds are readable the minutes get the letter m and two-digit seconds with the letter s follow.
9h13m59s
